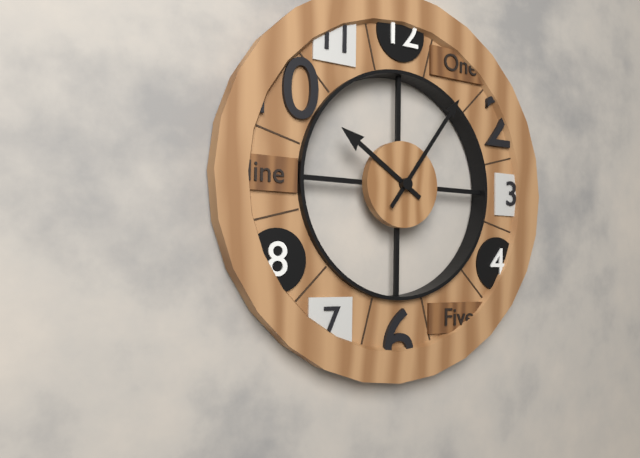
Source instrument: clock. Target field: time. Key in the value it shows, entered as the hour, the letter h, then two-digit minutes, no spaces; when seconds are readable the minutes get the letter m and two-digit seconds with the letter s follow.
10h06
